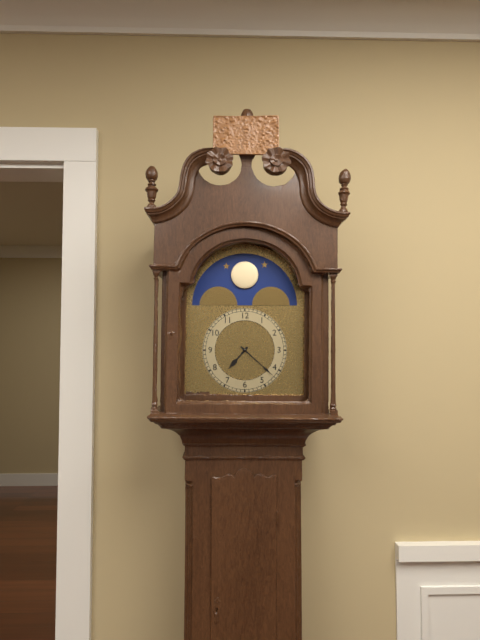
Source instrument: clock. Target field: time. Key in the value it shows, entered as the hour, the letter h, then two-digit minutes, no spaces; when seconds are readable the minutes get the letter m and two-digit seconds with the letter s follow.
7h22
